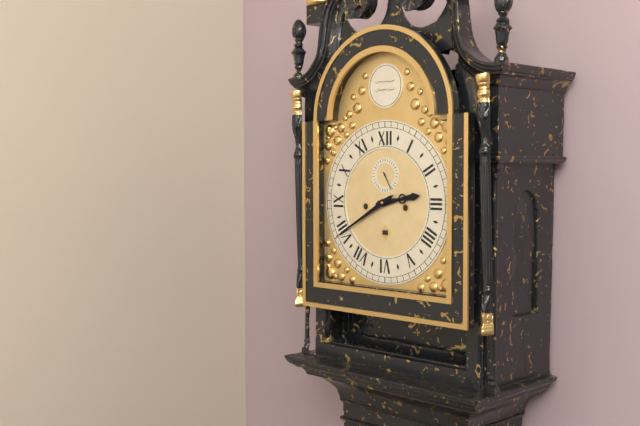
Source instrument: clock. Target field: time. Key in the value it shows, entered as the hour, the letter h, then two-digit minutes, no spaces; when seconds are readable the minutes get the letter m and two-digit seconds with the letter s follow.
2h40
